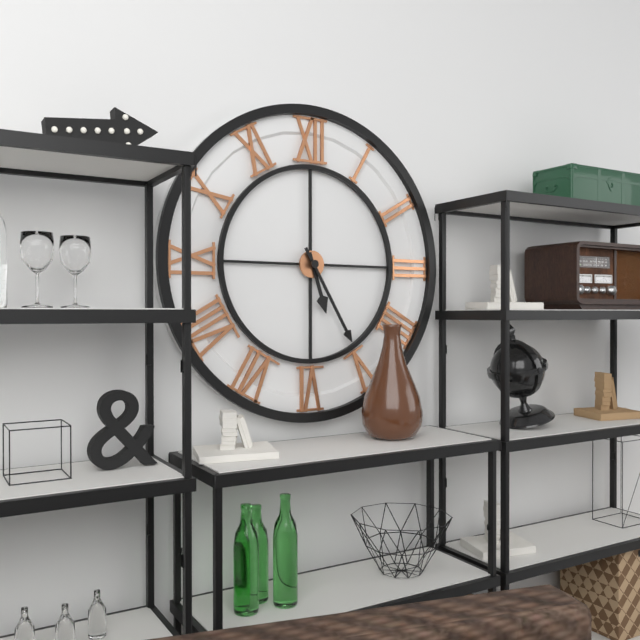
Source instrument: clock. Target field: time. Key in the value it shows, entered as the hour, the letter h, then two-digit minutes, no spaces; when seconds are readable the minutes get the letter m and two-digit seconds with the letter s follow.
5h25
